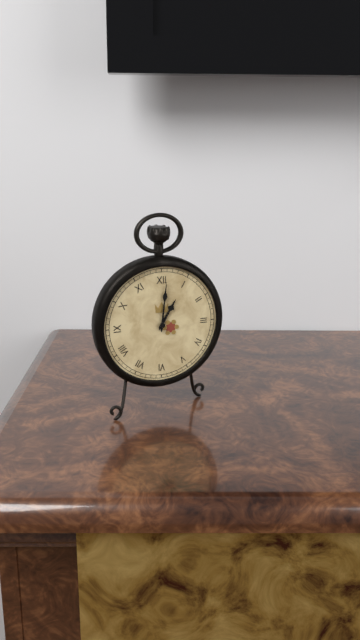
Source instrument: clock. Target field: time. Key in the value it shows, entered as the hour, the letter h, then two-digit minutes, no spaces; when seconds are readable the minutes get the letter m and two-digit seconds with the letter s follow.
1h01
